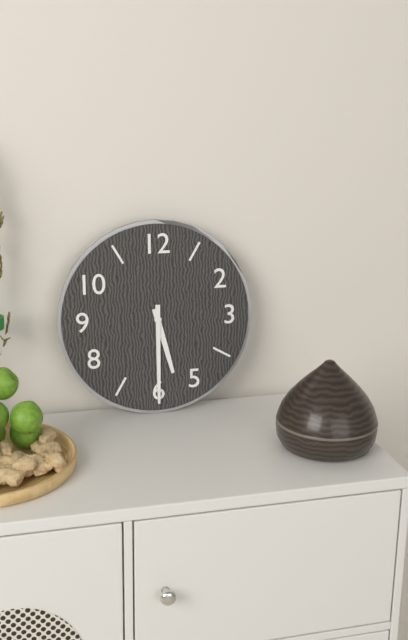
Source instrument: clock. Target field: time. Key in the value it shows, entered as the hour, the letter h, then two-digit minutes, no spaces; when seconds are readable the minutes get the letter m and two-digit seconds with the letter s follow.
5h30
